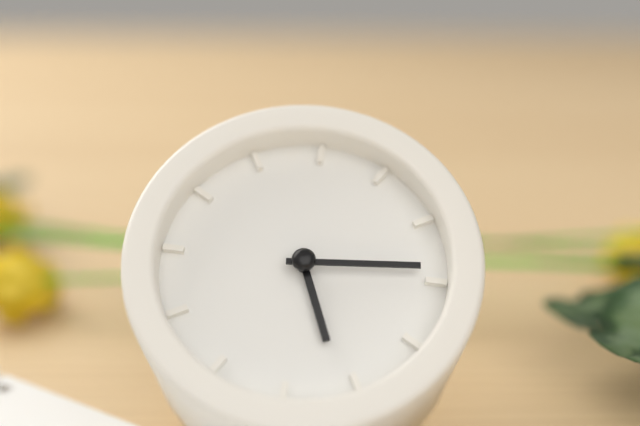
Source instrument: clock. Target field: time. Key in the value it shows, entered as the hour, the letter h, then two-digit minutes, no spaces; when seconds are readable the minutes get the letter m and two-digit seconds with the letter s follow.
5h14
